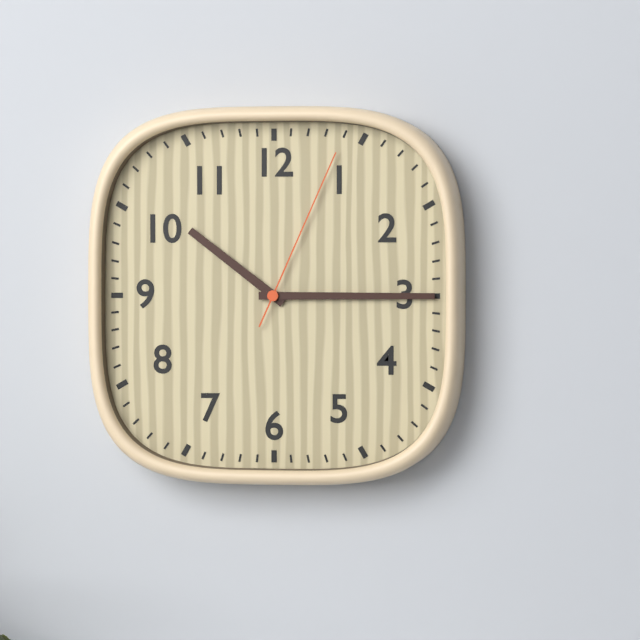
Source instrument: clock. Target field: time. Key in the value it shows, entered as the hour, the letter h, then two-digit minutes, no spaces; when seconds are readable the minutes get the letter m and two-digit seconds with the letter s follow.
10h15m04s
